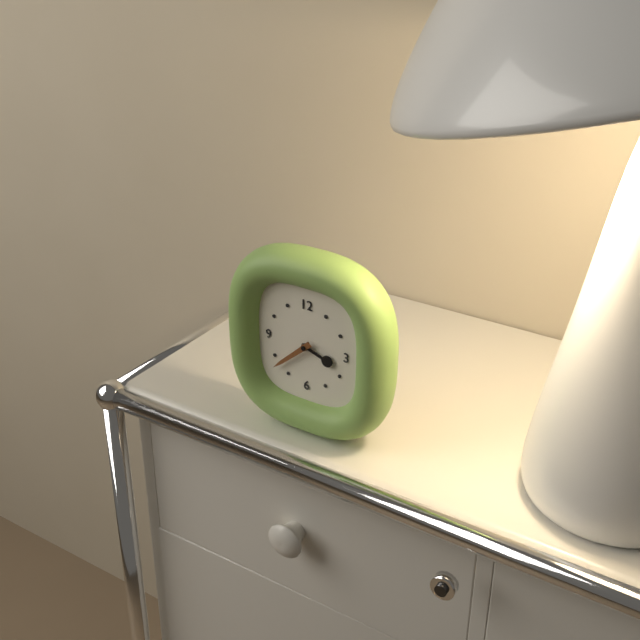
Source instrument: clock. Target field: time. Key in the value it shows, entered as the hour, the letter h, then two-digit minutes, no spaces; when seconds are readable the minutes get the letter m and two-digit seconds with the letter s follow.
3h38
